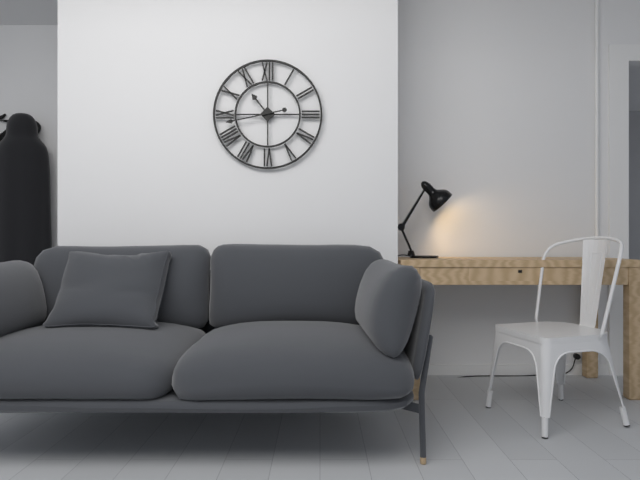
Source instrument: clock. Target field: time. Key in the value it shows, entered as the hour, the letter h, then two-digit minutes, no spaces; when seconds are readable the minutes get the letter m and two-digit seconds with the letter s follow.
10h43
